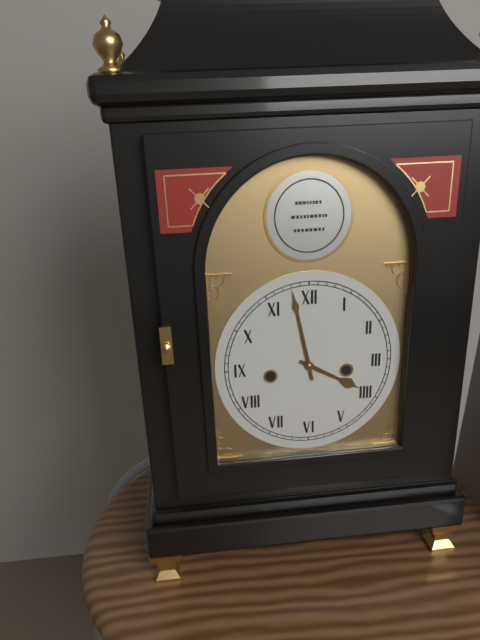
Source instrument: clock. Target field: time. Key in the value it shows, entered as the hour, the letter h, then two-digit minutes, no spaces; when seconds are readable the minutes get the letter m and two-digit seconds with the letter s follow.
3h58
